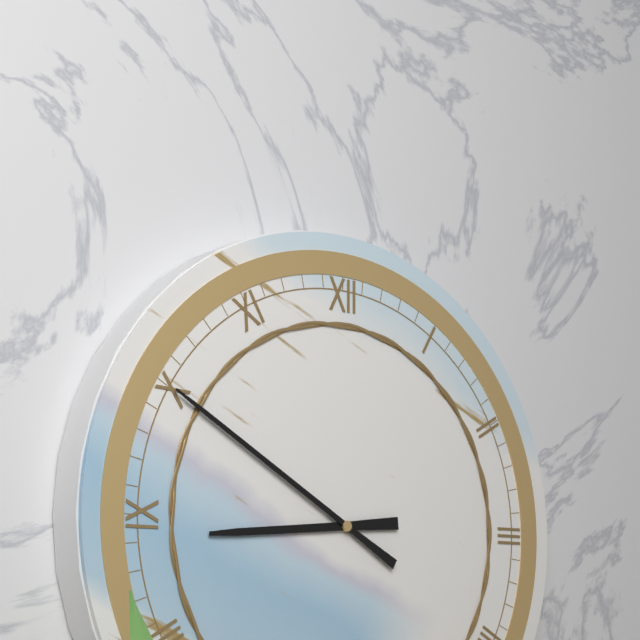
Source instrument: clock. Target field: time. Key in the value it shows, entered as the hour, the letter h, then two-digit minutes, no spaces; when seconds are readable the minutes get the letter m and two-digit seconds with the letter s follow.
8h50
